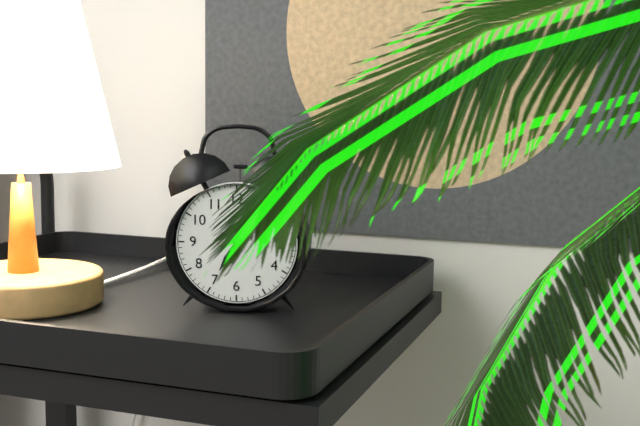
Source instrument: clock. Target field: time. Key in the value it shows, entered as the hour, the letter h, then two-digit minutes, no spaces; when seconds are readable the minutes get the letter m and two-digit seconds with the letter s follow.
7h03
